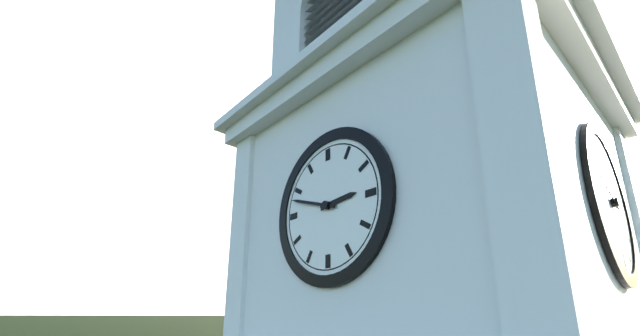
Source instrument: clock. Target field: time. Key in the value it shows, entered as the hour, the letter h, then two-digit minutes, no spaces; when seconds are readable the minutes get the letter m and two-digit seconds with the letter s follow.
2h48
